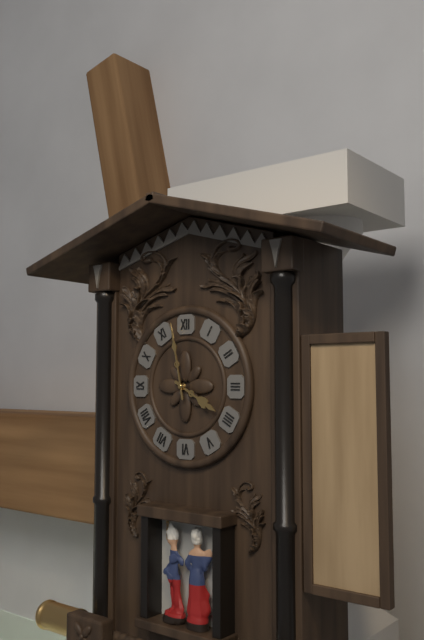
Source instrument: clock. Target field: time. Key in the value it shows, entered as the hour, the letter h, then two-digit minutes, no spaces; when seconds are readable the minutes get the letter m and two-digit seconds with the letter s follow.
3h58
